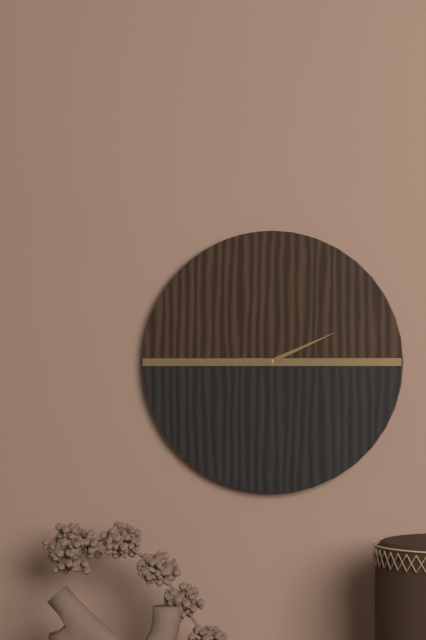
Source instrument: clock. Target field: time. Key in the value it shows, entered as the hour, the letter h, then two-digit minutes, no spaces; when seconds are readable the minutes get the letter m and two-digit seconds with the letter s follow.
2h11
